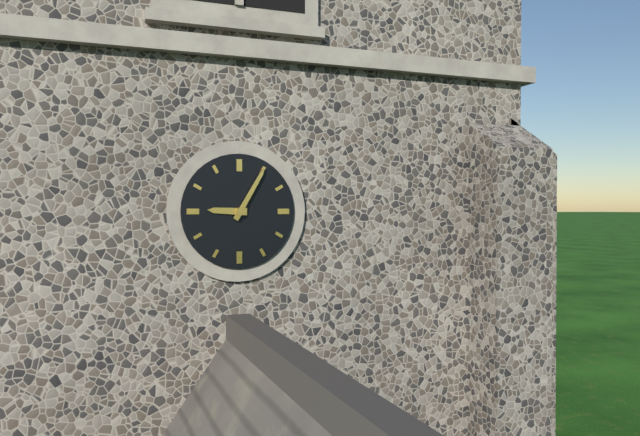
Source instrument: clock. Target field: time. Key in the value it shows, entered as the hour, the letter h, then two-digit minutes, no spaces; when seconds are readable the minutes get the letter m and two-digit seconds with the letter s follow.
9h05
